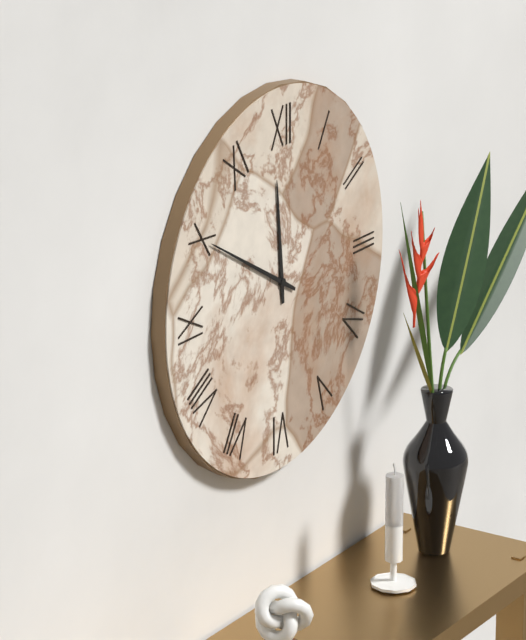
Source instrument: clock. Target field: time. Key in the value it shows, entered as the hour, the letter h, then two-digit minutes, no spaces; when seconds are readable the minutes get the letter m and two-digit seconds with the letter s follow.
11h50
